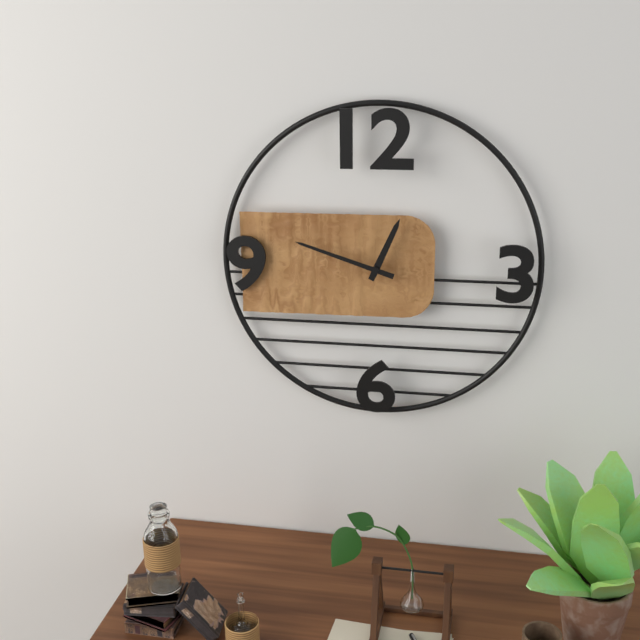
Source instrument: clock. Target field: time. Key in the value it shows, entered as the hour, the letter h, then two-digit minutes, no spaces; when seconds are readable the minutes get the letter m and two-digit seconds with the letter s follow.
12h48
